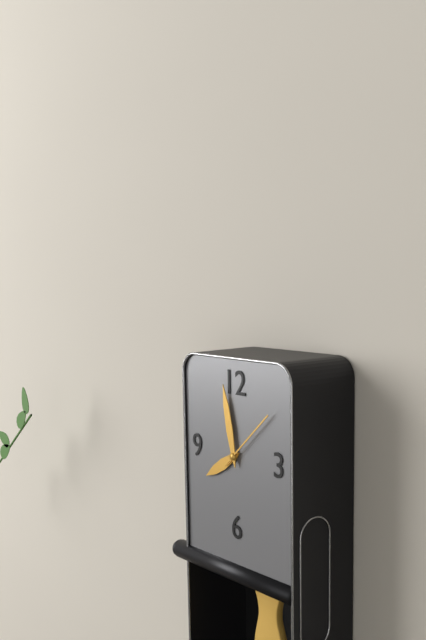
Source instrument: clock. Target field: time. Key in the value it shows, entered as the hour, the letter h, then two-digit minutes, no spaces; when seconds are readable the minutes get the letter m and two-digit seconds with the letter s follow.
7h58m08s
